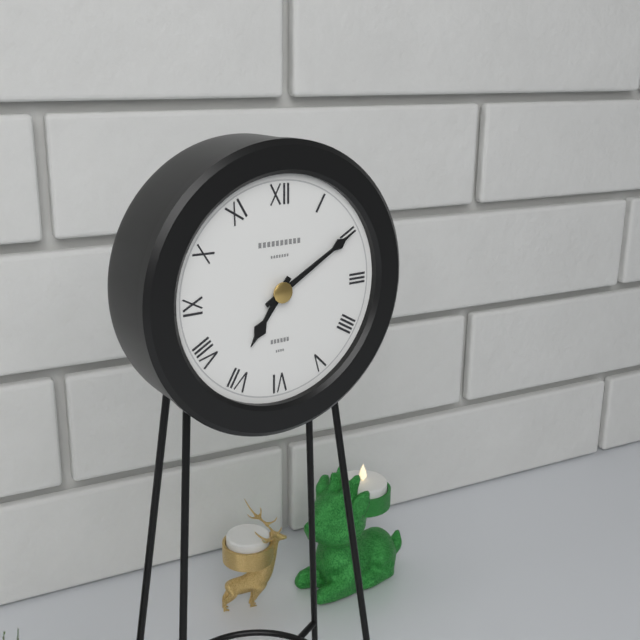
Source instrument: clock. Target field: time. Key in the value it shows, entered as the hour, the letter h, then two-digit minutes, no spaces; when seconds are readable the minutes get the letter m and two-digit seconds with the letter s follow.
7h10
